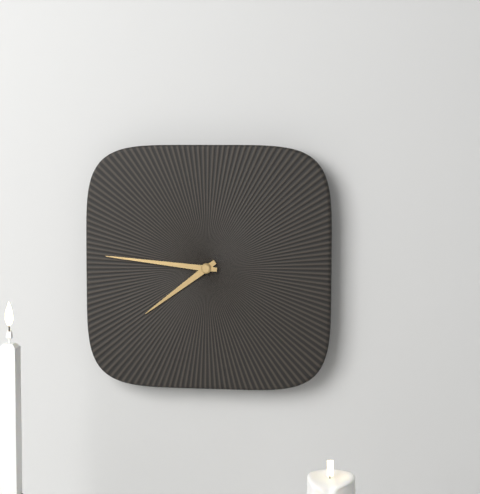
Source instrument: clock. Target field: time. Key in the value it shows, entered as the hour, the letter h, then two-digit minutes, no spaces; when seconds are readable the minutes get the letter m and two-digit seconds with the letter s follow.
7h46
